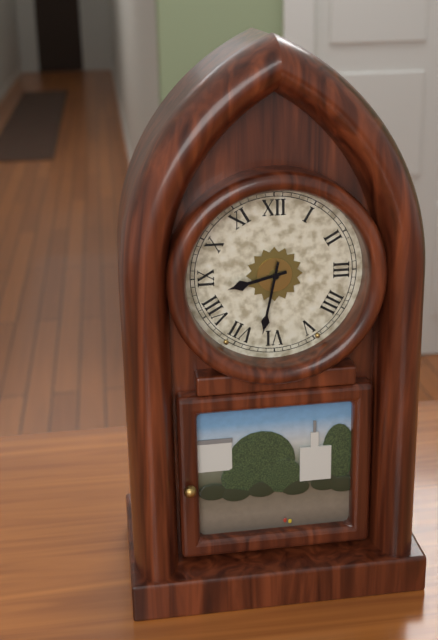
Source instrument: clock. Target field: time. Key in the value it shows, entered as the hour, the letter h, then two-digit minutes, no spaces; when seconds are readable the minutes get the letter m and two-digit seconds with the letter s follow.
8h32
